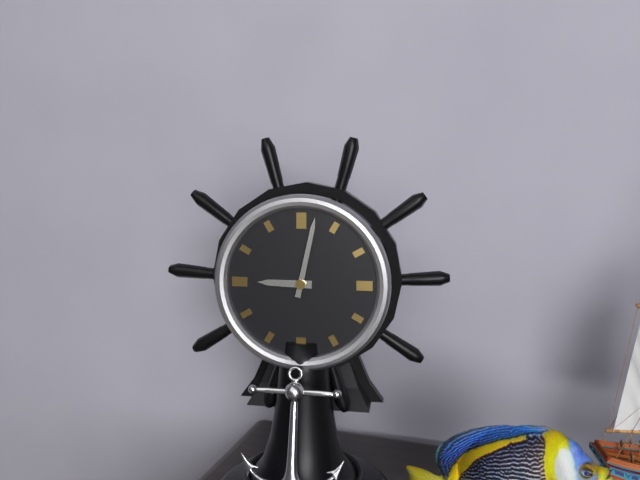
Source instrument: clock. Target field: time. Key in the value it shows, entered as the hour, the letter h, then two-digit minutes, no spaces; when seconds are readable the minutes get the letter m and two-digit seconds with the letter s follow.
9h02
